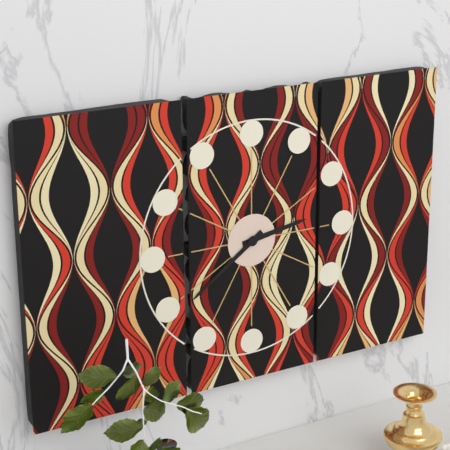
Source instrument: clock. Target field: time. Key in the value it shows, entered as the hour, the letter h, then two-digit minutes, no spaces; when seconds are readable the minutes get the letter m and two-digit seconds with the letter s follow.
2h39
